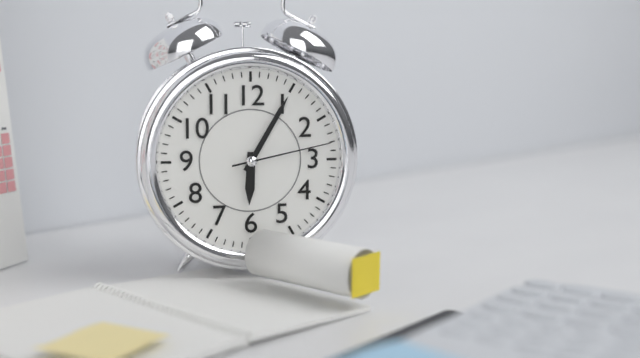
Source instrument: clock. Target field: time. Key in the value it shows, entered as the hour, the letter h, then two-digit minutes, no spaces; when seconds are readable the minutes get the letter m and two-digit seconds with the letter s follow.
6h05m13s
